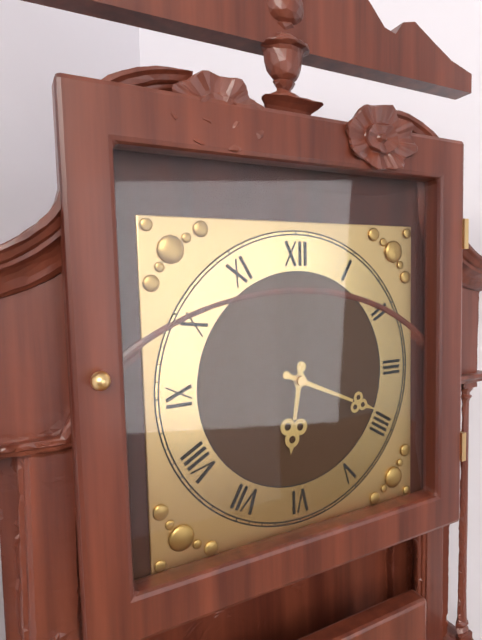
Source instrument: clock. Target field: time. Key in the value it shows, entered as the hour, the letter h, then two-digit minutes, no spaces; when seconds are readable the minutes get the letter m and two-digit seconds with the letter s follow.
6h19
